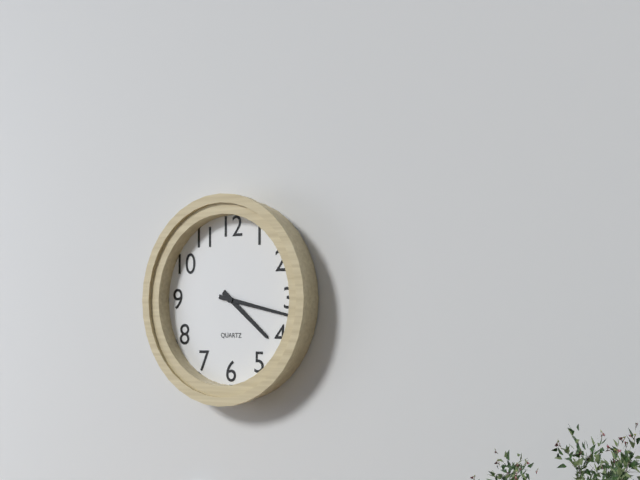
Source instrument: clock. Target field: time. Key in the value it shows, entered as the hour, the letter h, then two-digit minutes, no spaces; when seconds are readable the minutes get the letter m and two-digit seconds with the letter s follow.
4h17
